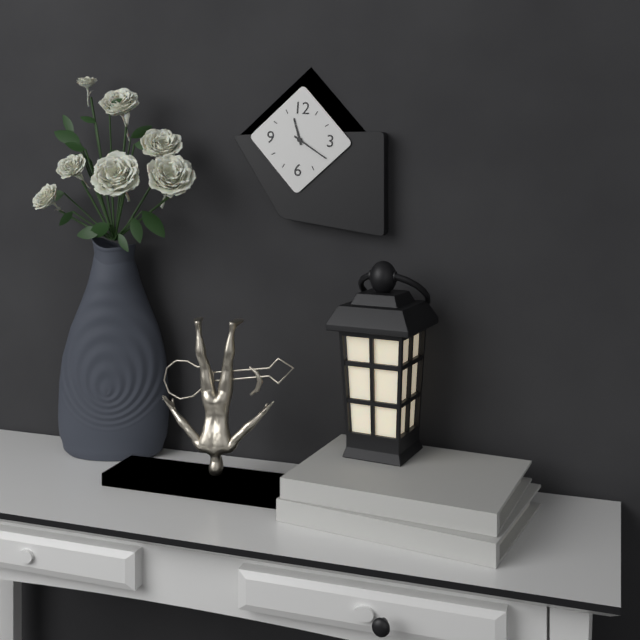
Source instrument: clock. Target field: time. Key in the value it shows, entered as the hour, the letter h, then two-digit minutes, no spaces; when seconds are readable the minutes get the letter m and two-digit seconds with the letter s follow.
11h20
